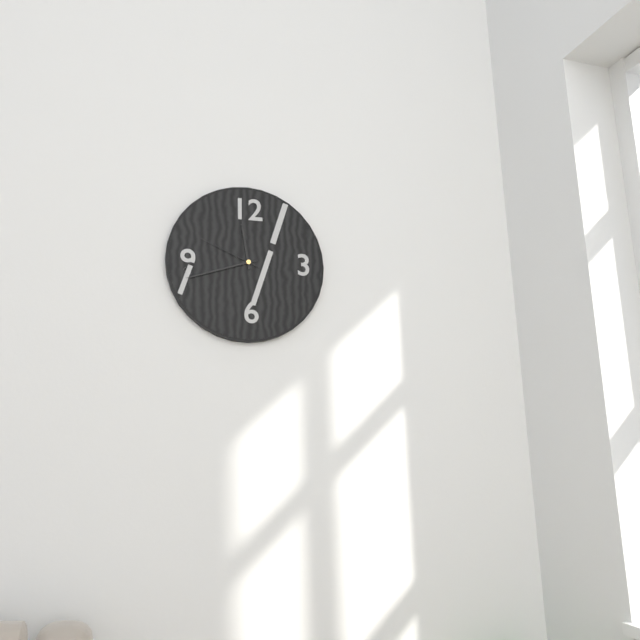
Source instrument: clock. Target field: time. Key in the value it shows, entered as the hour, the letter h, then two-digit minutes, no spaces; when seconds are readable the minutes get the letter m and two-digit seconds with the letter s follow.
11h42m49s
